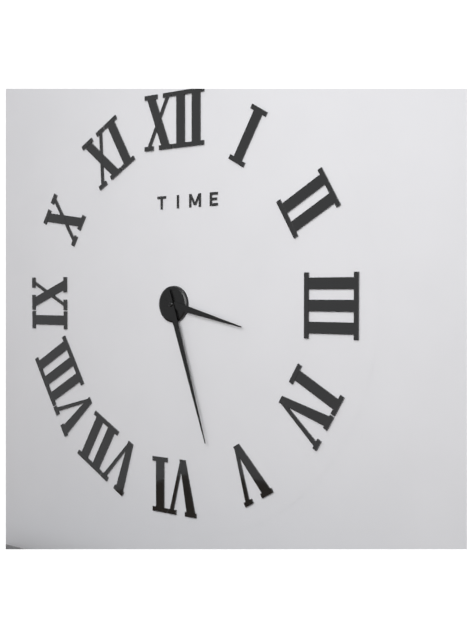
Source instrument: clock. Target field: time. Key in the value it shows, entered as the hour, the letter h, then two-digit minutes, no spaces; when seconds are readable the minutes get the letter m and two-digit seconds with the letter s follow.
3h27
